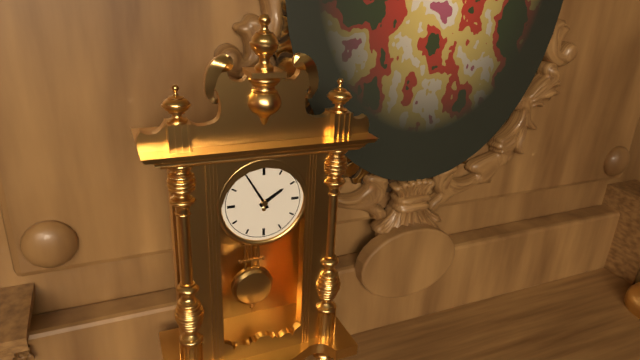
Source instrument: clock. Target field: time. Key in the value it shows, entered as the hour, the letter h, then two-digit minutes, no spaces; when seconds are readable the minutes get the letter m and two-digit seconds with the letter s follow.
1h55
